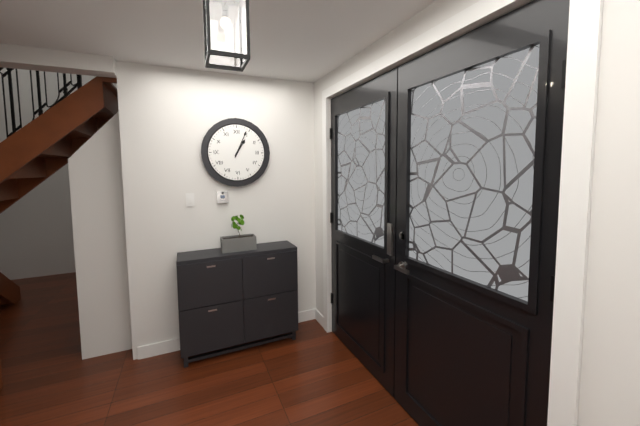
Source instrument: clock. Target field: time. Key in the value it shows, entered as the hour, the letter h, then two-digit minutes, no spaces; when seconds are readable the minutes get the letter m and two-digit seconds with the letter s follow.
1h04
